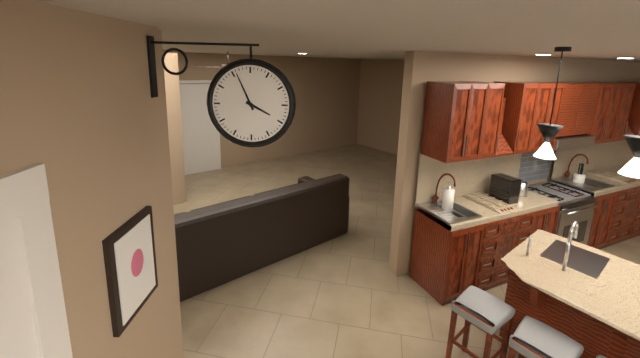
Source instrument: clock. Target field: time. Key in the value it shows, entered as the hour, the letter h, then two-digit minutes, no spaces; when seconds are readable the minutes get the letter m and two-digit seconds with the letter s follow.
3h56
